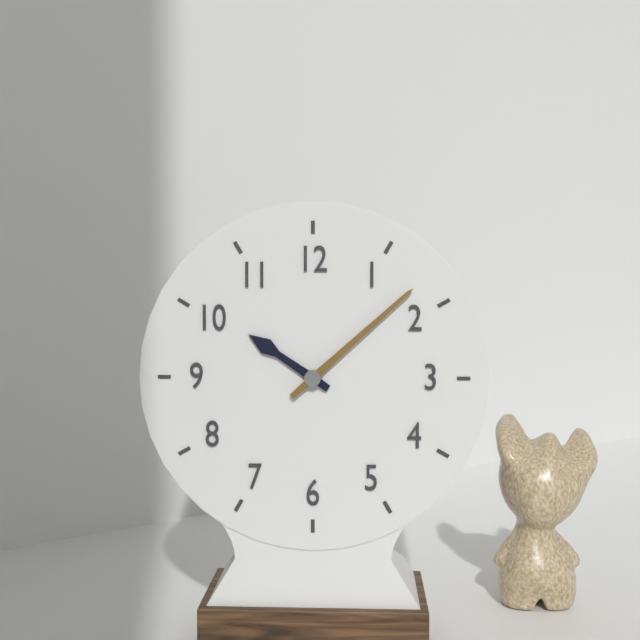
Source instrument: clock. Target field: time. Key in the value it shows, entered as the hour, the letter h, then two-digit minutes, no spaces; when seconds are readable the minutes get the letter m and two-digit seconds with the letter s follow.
10h08
